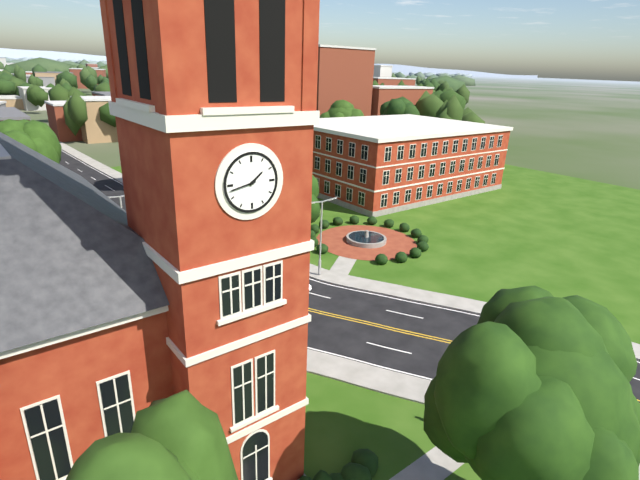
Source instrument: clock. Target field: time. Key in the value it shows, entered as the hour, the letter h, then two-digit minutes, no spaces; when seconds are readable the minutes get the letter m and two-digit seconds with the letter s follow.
1h43
